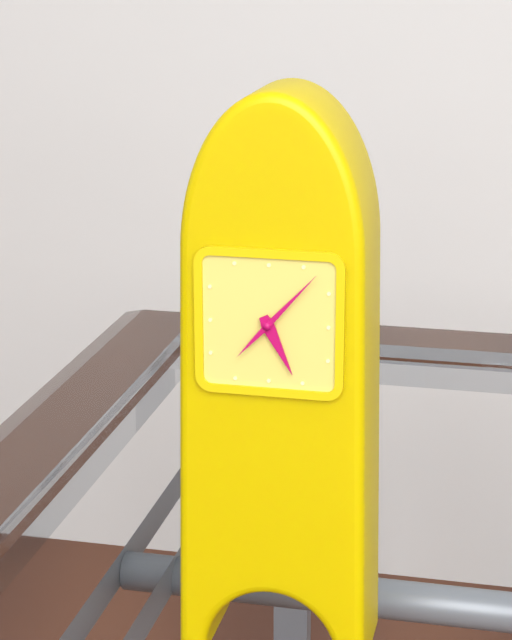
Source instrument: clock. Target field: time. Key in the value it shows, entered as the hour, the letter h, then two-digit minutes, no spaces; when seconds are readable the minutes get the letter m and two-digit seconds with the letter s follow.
5h07
